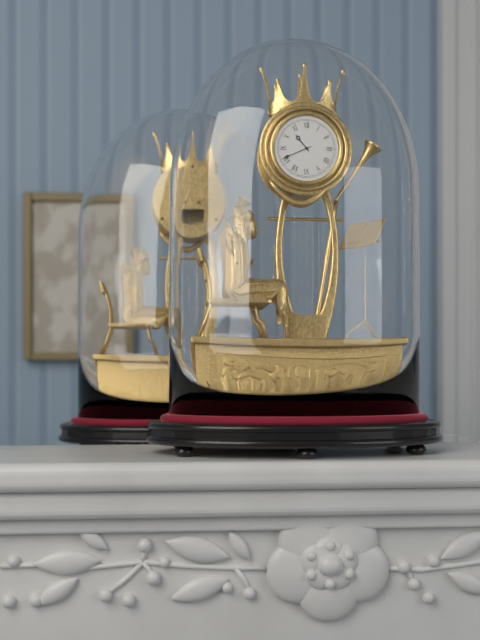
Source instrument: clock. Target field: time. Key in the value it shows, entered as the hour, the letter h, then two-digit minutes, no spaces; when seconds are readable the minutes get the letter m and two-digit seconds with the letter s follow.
10h41
